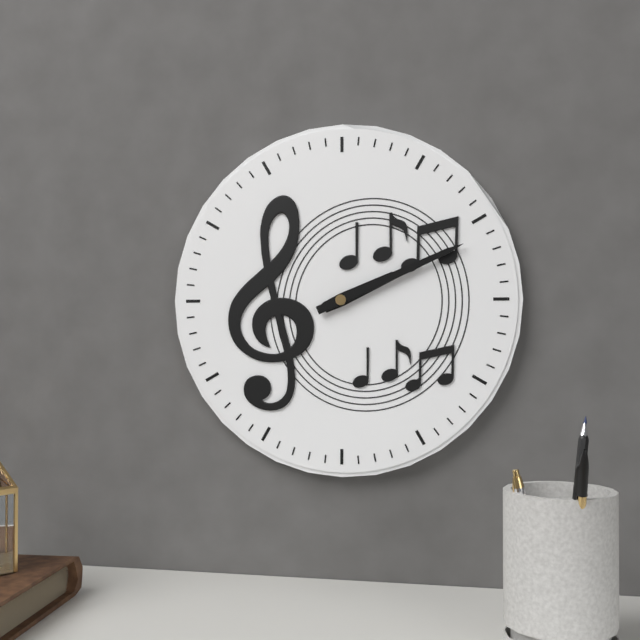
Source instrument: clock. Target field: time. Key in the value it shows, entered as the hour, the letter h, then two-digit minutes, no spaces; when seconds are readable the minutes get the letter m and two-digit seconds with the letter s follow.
2h11
